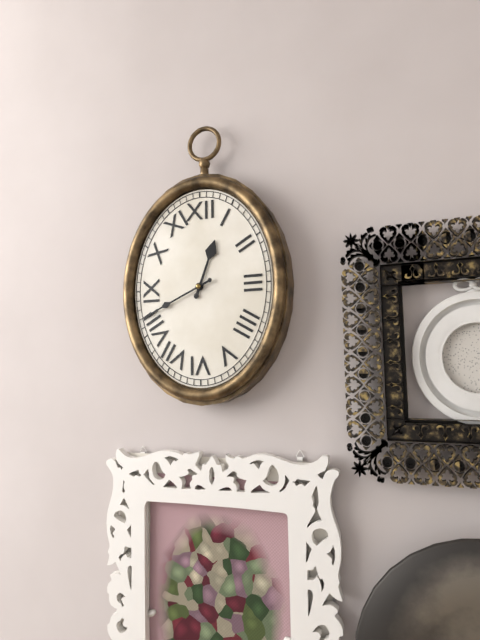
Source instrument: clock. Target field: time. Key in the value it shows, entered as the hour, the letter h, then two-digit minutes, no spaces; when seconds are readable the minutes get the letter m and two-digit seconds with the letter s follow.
12h41
